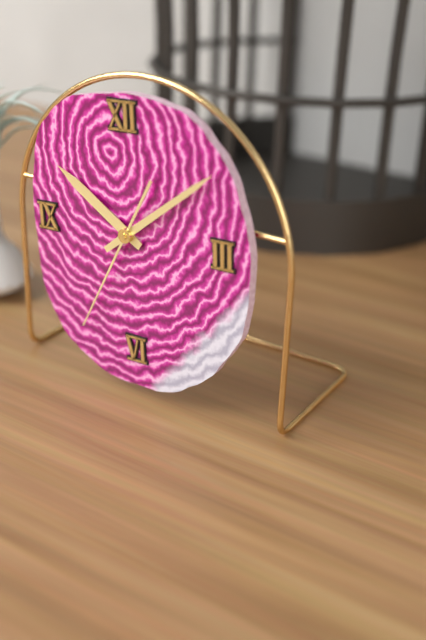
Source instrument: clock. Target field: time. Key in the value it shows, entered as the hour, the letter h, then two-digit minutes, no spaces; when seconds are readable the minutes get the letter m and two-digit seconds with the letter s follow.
10h09m35s
